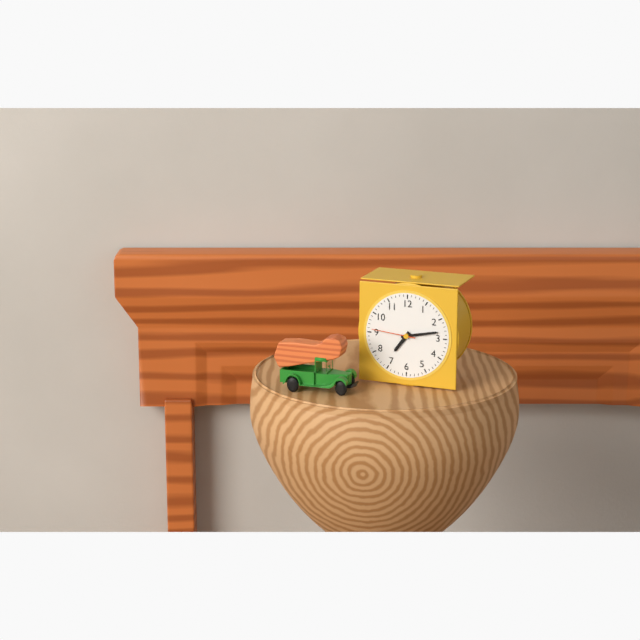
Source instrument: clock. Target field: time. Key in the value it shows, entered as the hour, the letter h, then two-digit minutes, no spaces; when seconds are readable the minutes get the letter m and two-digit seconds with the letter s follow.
7h13
